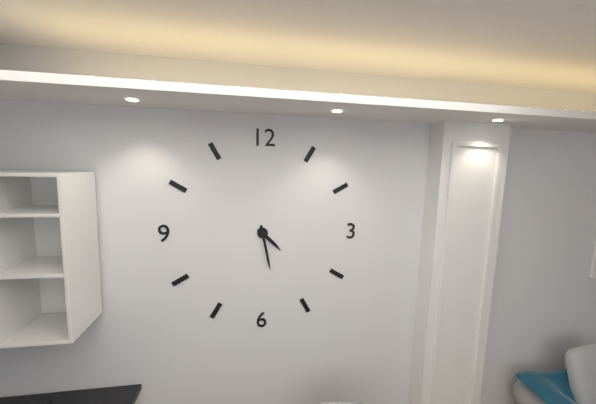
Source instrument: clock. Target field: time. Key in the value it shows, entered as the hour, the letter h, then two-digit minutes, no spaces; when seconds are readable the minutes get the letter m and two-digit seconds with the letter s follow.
4h28
